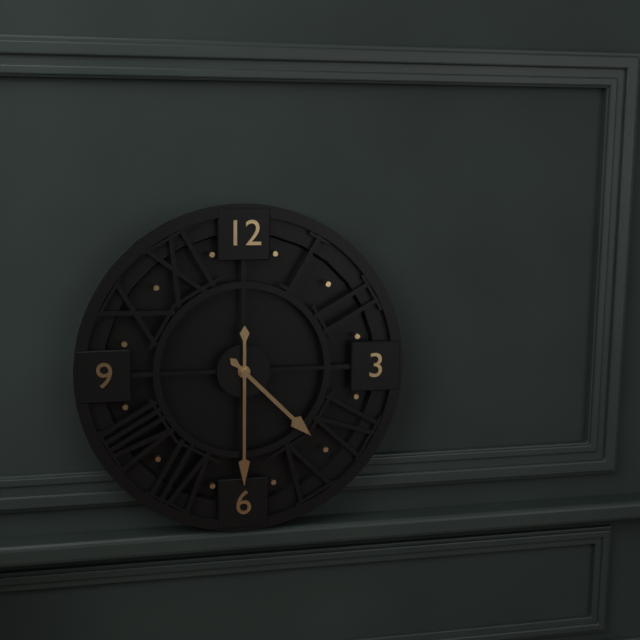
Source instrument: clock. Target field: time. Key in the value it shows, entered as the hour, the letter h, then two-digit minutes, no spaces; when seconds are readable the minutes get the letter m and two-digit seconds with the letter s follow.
4h30
